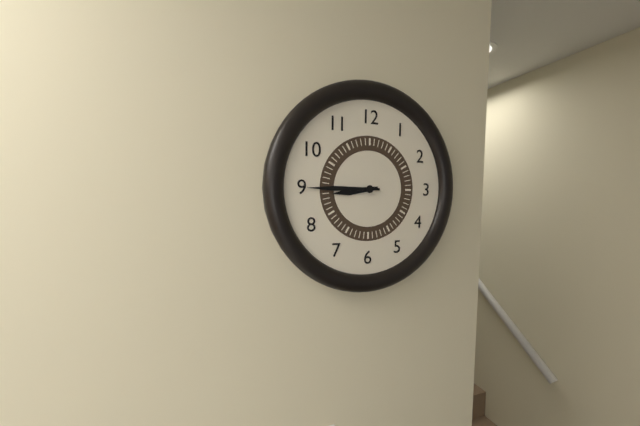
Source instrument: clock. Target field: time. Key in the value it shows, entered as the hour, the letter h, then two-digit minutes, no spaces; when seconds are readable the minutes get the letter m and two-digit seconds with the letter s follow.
8h45
